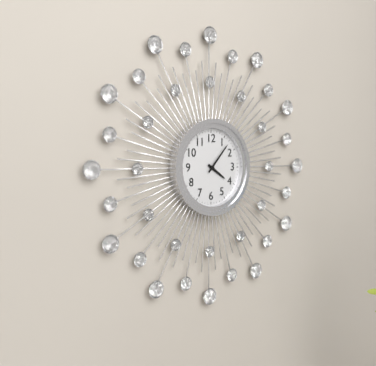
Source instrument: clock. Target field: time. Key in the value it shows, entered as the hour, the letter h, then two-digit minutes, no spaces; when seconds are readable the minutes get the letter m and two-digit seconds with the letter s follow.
4h07
